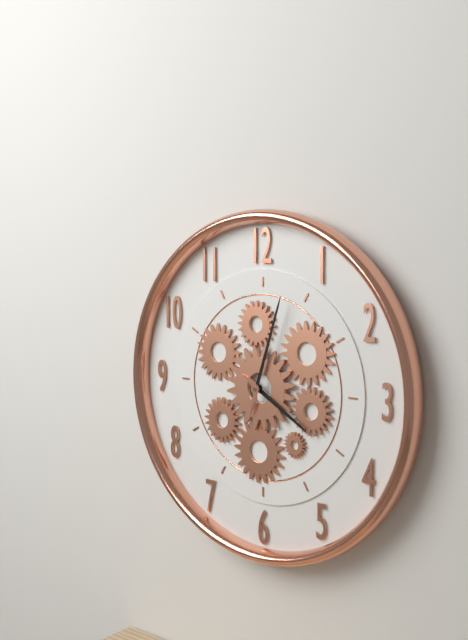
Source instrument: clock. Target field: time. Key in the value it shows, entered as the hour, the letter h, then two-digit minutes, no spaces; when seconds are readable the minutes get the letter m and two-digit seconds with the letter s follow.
4h03
